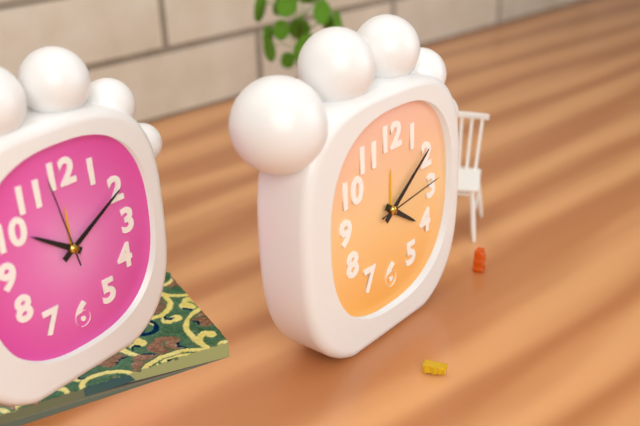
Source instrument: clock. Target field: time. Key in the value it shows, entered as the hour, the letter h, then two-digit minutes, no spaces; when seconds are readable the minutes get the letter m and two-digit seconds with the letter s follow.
4h09m14s
